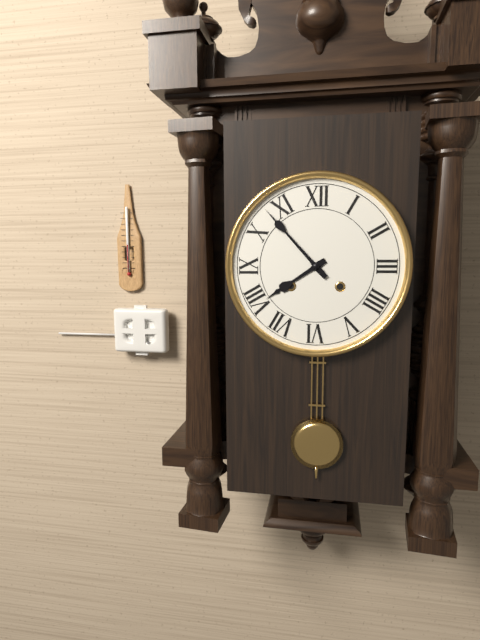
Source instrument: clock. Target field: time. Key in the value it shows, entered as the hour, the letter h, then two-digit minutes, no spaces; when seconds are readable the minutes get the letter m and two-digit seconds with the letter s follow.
7h53
